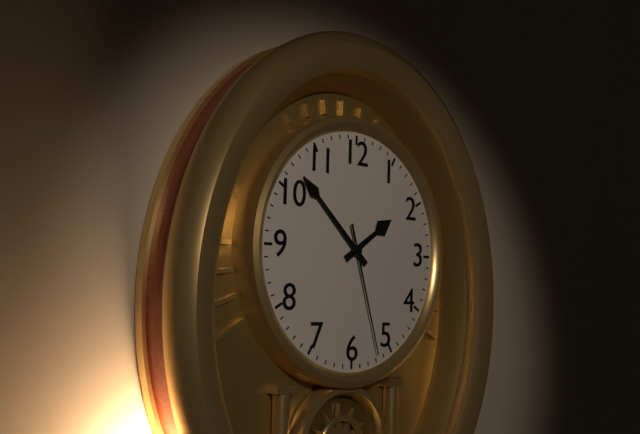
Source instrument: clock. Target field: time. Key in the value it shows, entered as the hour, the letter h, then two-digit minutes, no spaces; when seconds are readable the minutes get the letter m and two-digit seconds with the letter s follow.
1h52m27s
